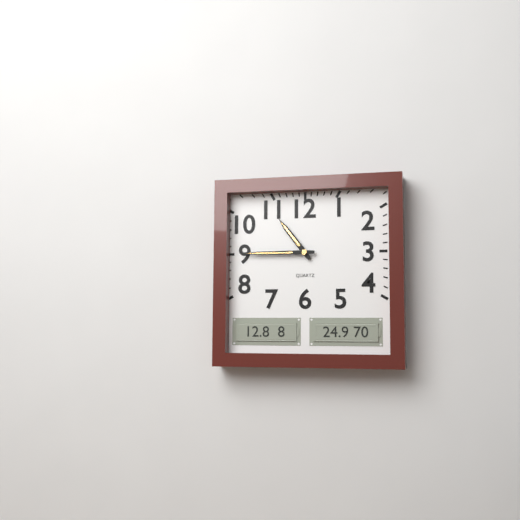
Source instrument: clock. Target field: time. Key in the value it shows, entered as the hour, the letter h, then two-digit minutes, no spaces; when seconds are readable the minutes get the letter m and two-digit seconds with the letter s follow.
10h45
